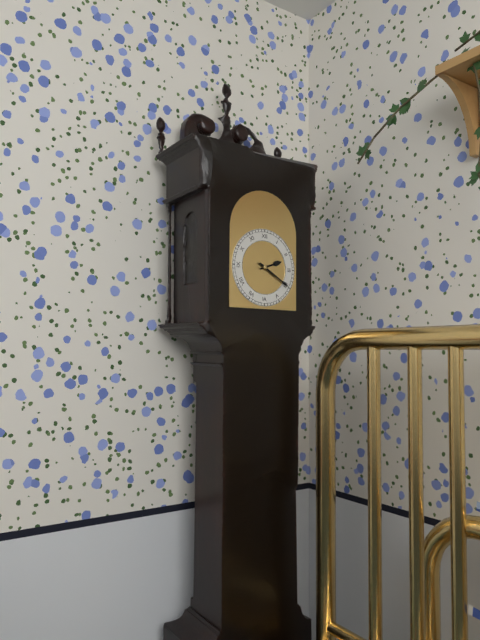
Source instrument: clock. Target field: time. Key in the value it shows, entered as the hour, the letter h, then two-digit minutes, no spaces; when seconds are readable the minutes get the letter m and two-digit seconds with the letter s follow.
2h20
